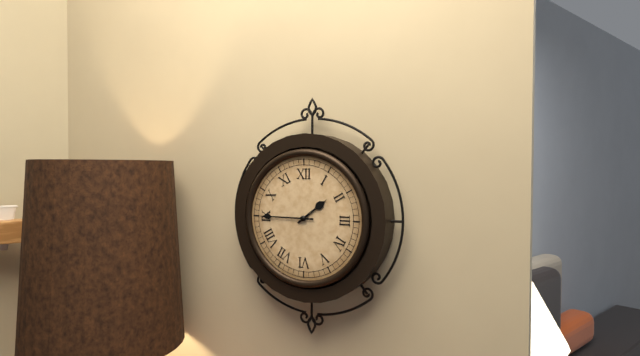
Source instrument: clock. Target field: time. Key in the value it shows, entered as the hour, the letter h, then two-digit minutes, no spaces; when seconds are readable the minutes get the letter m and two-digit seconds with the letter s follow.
1h45
